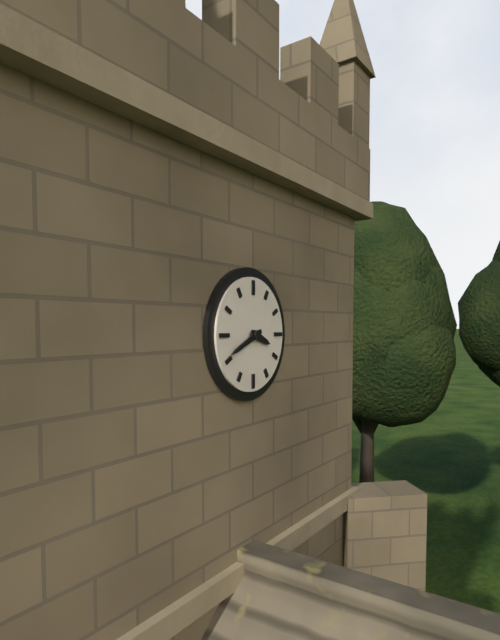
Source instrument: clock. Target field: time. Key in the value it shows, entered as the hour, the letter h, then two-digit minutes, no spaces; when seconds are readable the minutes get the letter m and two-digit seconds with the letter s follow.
3h41
